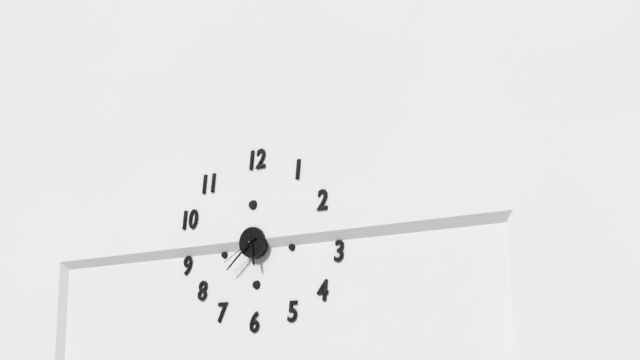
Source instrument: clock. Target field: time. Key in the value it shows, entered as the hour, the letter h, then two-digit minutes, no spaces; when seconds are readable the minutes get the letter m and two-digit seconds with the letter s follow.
5h38
